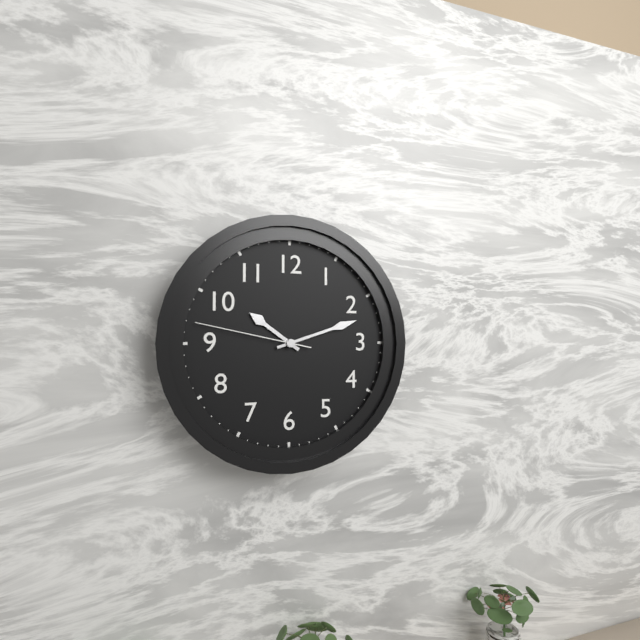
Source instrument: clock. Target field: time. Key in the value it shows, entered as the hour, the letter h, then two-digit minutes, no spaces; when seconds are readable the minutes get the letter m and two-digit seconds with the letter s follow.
10h12m47s
